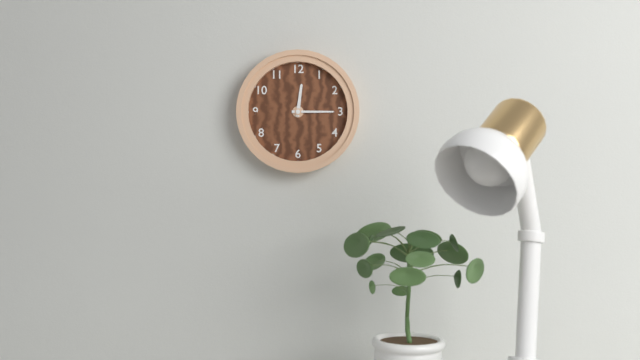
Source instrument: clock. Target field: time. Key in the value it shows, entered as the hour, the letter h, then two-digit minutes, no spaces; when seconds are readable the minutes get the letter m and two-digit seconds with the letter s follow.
12h15
